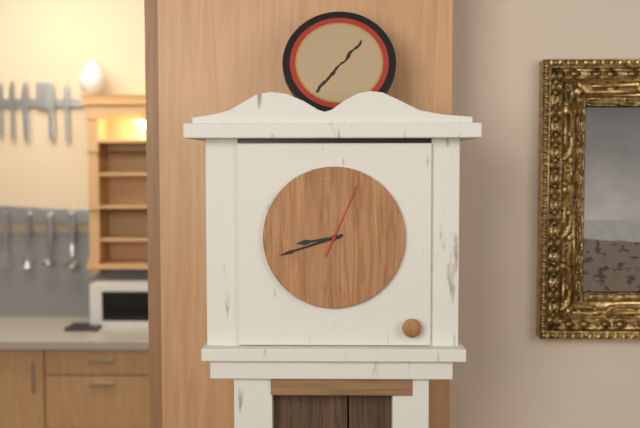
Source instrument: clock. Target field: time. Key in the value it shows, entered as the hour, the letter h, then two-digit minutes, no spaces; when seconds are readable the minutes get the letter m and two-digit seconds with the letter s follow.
8h42m04s
